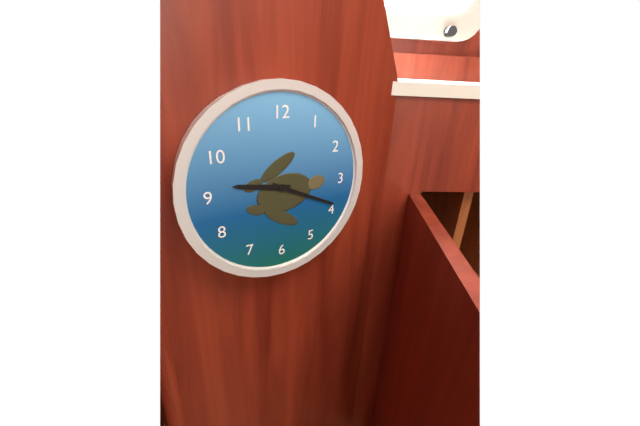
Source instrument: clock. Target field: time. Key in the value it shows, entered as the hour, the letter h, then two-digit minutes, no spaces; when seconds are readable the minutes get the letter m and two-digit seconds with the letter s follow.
9h19
